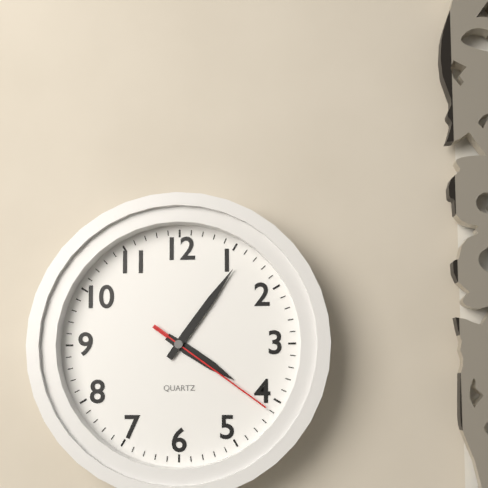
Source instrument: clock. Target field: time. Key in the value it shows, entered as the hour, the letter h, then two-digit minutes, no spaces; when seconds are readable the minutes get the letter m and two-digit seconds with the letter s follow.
4h06m21s
